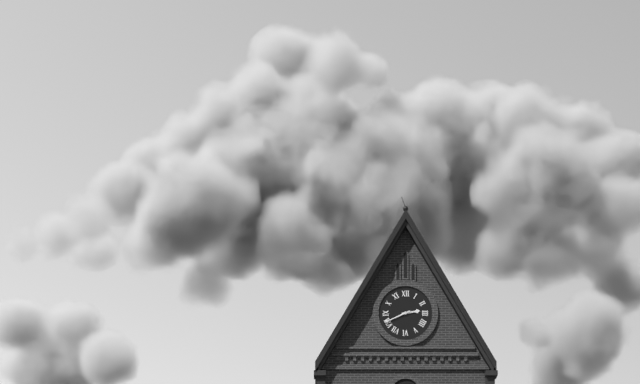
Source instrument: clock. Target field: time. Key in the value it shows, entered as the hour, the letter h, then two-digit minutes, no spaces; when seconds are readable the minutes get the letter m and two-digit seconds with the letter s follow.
2h41
